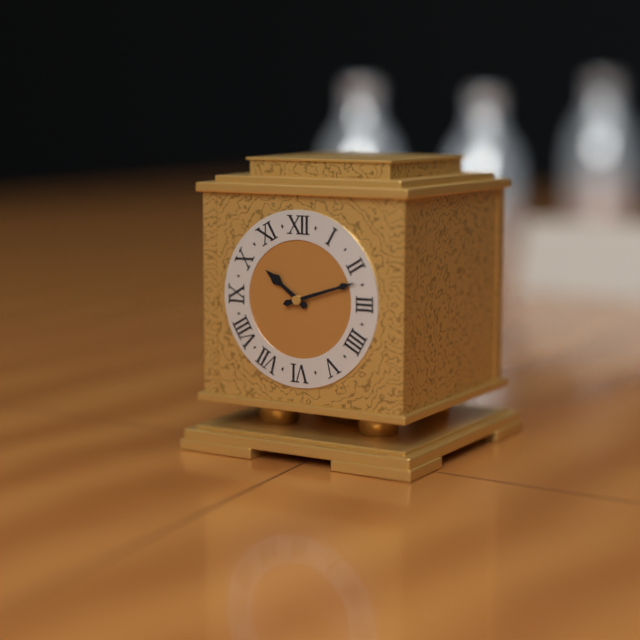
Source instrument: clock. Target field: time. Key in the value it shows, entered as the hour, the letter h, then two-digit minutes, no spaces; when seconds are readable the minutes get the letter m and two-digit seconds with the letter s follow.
10h12
